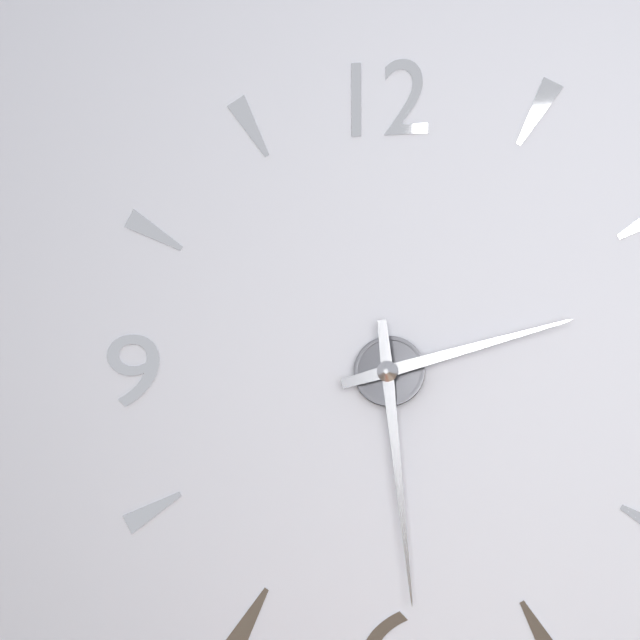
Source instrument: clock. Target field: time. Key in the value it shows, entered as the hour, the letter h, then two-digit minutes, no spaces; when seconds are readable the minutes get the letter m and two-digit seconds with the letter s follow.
2h29
